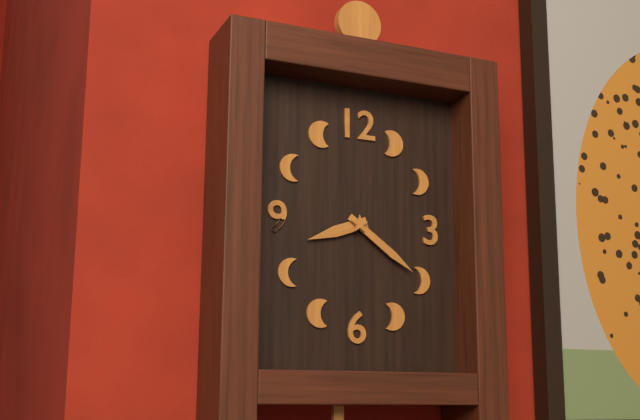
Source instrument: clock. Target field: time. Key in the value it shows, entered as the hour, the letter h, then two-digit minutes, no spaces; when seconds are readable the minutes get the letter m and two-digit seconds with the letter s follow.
8h21
